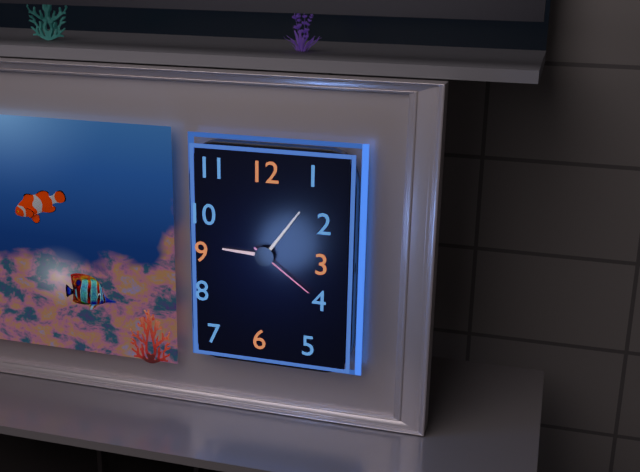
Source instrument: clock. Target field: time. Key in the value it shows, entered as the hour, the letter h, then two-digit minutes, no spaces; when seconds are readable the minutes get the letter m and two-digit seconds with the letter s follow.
9h06m21s
